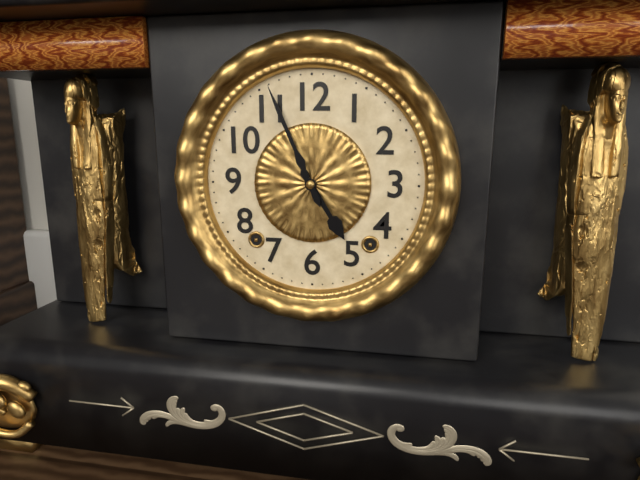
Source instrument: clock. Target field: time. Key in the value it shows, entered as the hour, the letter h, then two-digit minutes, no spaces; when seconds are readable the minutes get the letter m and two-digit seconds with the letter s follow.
4h56
